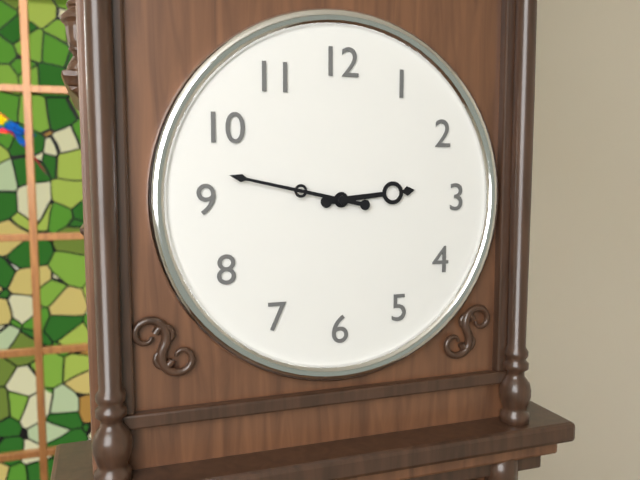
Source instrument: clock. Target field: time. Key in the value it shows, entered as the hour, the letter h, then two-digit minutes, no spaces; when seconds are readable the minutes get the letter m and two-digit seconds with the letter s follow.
2h47
